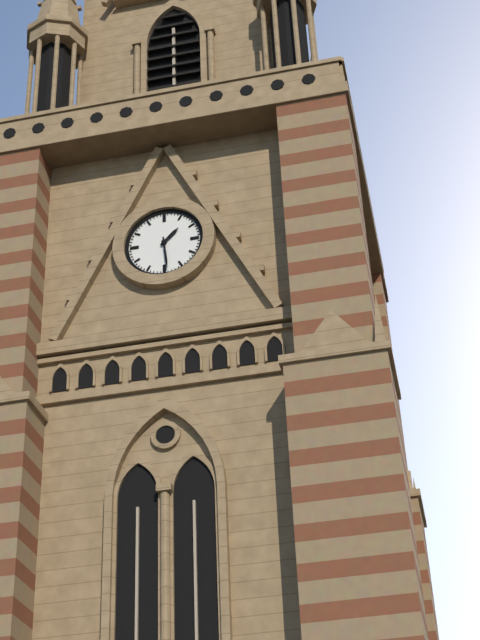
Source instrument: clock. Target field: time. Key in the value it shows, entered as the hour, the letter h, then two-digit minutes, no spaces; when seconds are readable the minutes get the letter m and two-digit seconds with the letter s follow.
1h29
